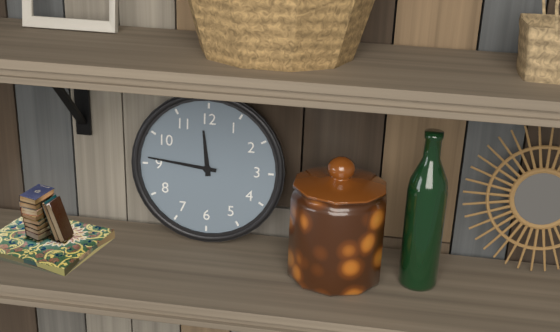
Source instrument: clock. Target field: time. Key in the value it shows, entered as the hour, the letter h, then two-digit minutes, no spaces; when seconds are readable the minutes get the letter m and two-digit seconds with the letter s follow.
11h46
